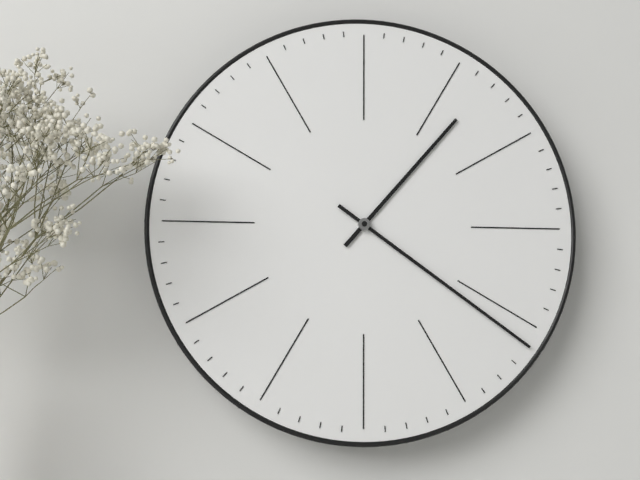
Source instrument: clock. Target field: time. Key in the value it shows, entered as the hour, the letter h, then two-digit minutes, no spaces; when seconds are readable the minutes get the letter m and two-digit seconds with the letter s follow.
1h21
